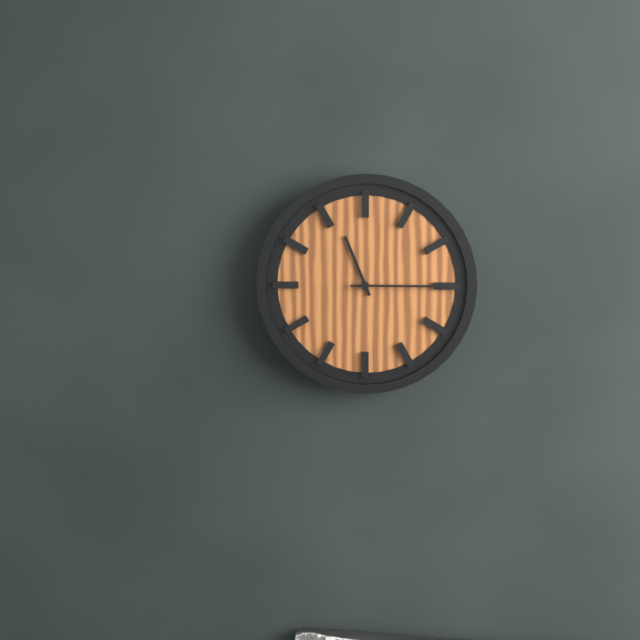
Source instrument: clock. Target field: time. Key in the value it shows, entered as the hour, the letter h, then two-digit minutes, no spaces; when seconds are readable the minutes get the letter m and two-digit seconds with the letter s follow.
11h15
